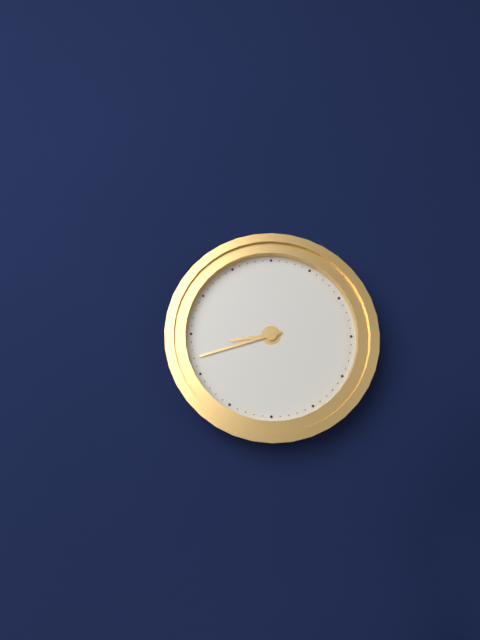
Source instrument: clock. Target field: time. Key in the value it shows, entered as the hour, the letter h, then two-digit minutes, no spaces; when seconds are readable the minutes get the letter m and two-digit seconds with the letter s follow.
8h42
